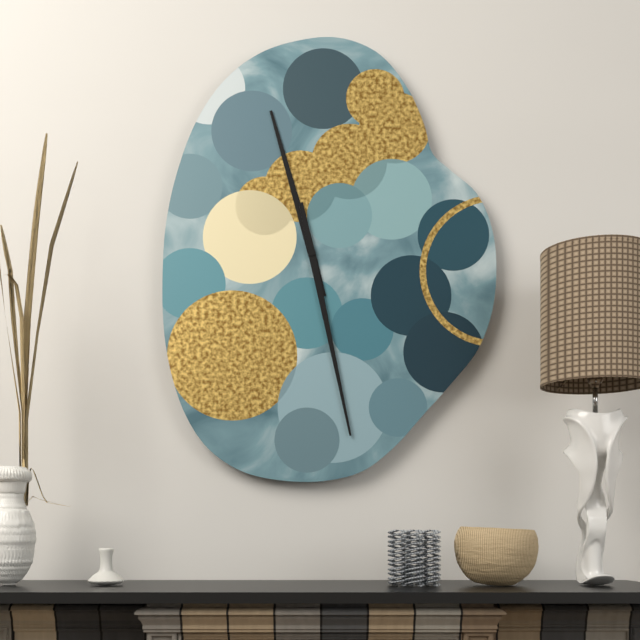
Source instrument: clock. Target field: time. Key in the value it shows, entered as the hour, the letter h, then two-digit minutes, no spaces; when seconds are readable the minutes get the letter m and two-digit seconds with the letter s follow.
11h28
